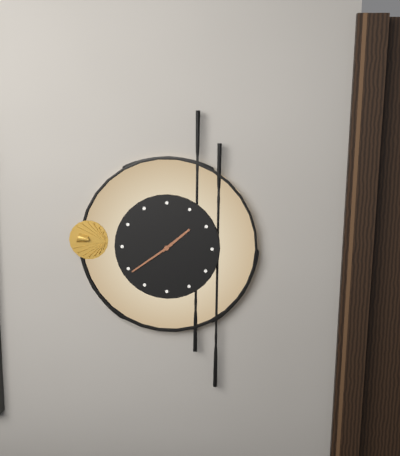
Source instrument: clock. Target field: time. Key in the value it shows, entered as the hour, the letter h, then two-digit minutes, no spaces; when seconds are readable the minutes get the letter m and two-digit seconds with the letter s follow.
1h39
